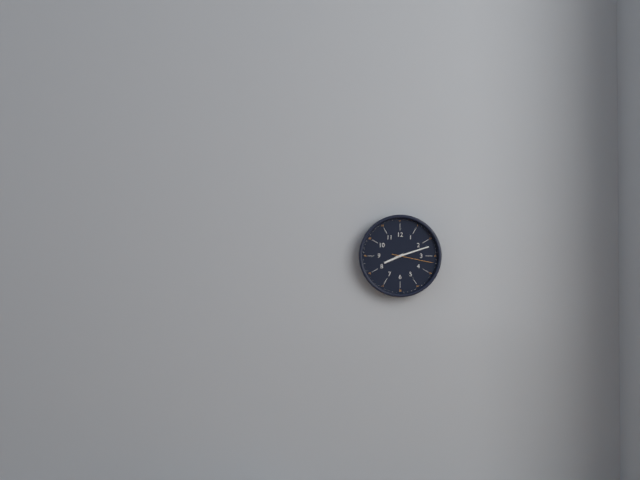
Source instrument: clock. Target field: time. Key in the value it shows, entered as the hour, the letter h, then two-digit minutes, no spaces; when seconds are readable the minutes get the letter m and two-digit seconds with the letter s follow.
8h12
